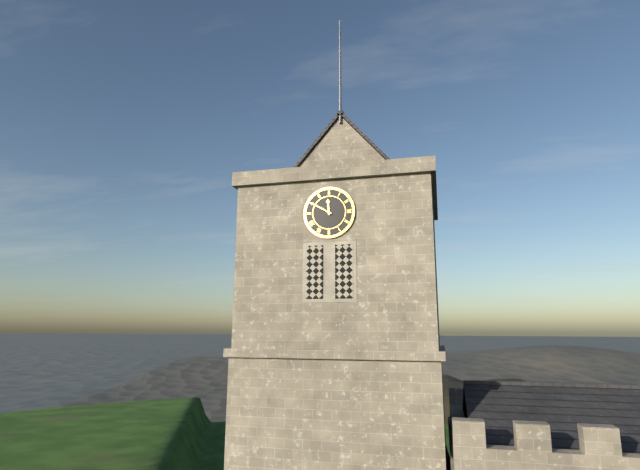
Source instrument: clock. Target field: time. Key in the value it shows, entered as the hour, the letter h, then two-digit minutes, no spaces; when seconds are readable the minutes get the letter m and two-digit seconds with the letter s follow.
11h50
